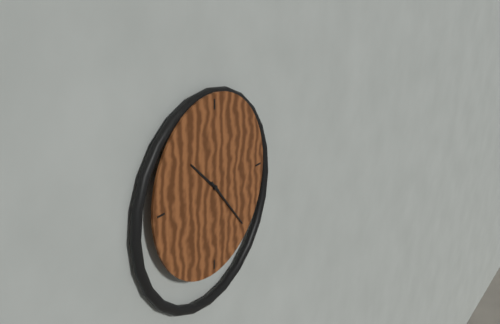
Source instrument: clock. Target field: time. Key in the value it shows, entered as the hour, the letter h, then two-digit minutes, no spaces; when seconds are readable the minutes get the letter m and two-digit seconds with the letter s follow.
10h23
